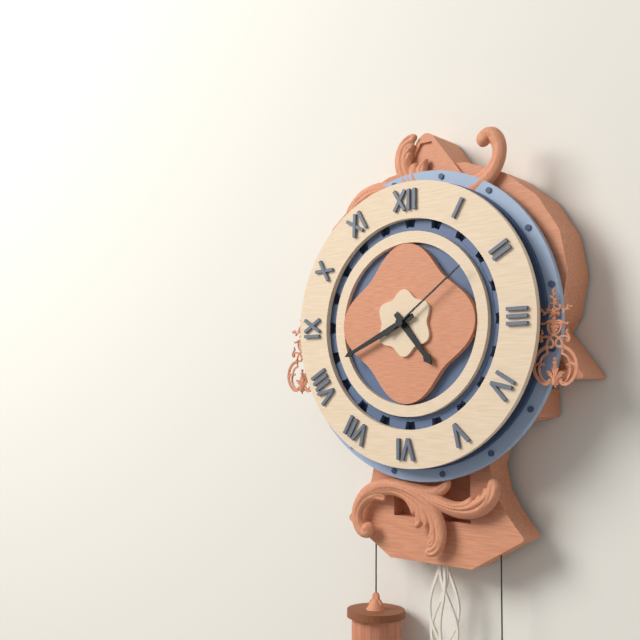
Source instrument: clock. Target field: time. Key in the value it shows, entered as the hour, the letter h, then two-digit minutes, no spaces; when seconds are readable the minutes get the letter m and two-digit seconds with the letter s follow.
4h41m09s
